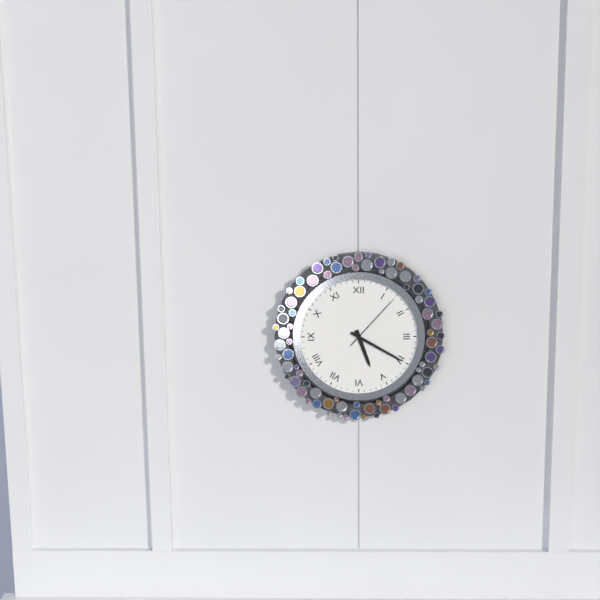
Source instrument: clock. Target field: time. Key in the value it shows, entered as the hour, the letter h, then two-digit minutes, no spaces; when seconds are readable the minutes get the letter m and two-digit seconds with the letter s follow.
5h20m07s
